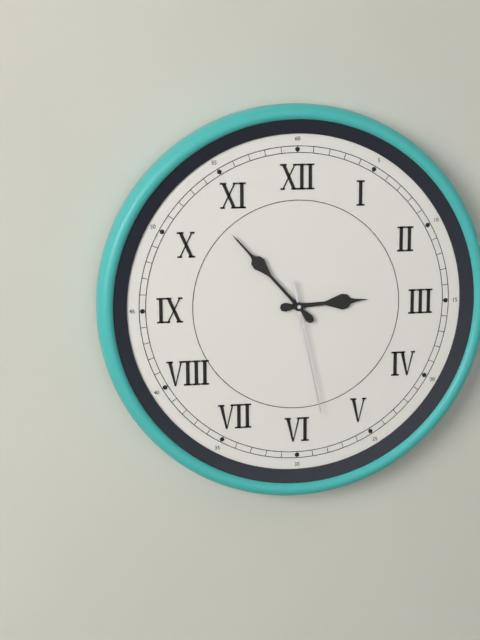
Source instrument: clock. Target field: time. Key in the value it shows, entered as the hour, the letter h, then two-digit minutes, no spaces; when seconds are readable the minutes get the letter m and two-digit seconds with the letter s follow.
2h53m28s
